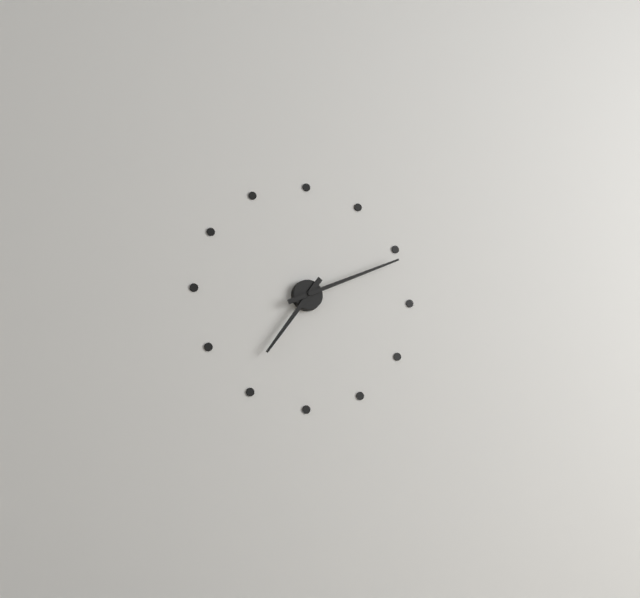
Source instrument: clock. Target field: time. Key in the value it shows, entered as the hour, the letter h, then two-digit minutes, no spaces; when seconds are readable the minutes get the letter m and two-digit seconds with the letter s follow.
7h11
